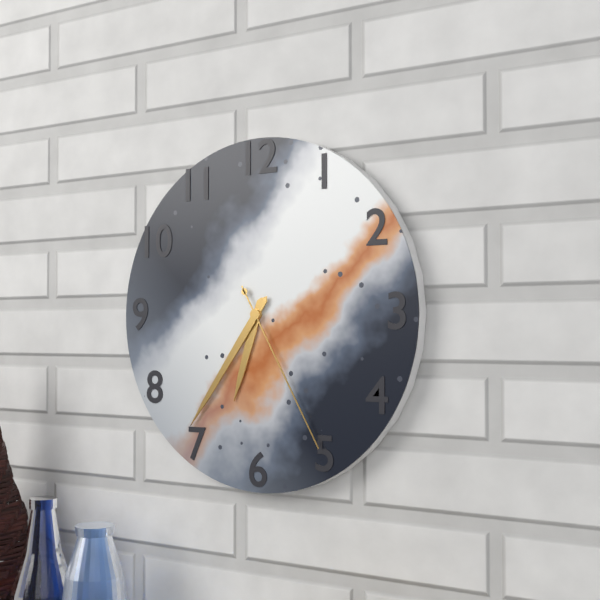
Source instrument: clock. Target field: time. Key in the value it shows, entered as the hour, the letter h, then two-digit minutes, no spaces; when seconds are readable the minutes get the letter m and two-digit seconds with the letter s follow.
6h36m25s
